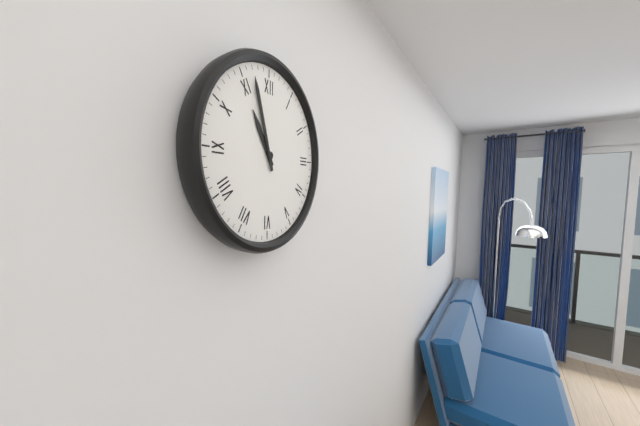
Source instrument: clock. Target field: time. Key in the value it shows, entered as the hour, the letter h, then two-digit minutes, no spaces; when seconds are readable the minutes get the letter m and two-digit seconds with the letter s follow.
10h57
